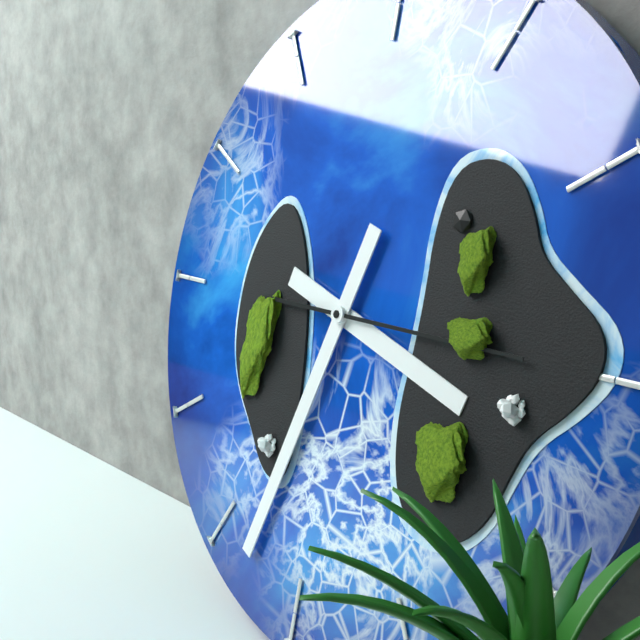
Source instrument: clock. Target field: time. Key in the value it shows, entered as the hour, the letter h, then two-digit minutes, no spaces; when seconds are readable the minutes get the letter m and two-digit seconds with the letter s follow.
3h33m15s
